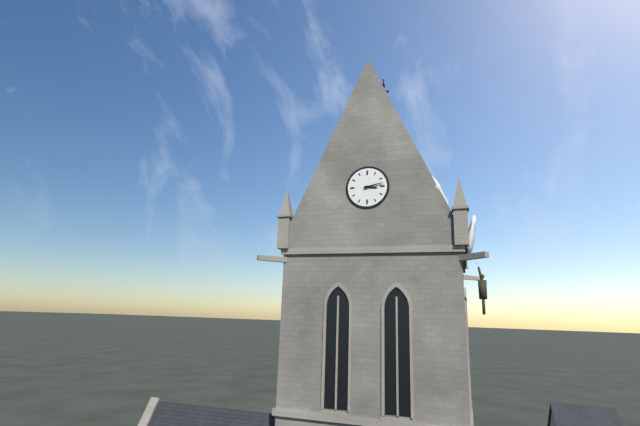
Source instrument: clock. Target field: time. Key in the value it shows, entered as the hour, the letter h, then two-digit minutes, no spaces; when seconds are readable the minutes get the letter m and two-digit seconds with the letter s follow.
3h13
